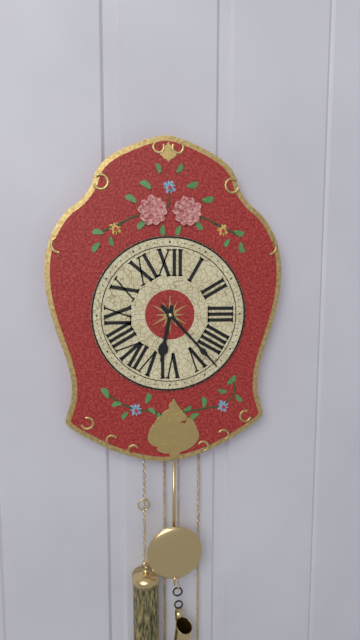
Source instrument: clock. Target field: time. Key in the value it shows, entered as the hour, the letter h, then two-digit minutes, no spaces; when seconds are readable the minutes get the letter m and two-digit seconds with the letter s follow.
6h23
